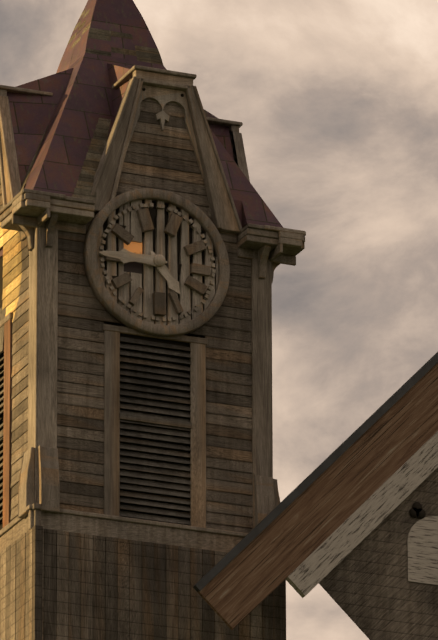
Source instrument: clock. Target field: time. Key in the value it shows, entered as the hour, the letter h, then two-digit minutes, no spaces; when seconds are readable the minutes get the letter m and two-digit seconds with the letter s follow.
4h45
